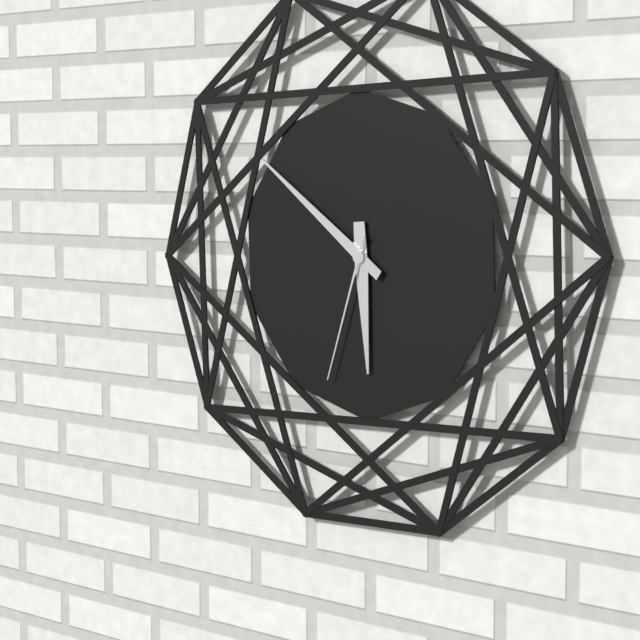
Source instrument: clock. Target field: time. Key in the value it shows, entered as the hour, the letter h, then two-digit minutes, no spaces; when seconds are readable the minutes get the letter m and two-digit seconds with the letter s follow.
5h51m33s
